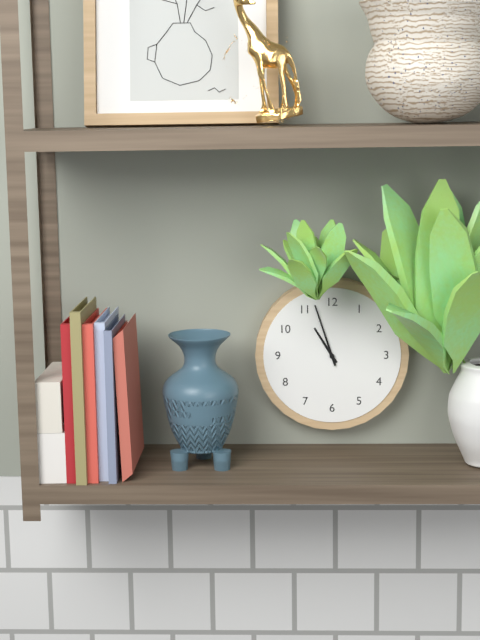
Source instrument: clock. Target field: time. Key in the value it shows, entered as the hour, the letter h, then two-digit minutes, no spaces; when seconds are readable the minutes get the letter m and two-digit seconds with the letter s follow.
10h57
